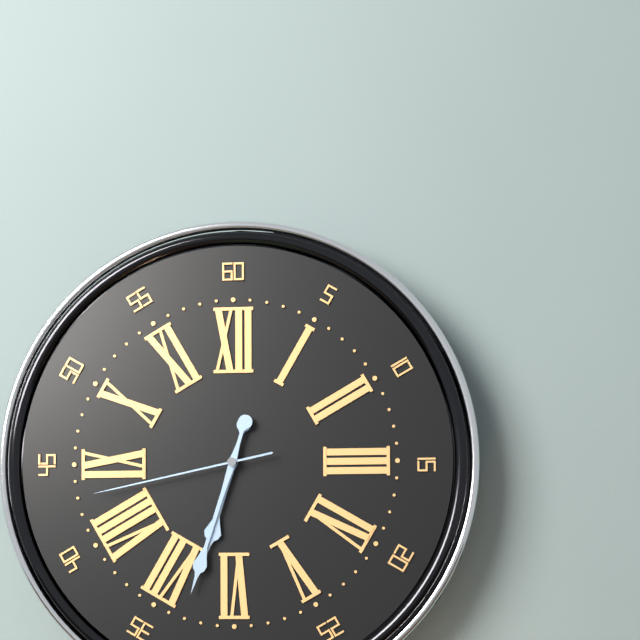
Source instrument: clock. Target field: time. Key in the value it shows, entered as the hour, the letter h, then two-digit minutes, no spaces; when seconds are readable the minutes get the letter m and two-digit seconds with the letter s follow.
6h33m43s
